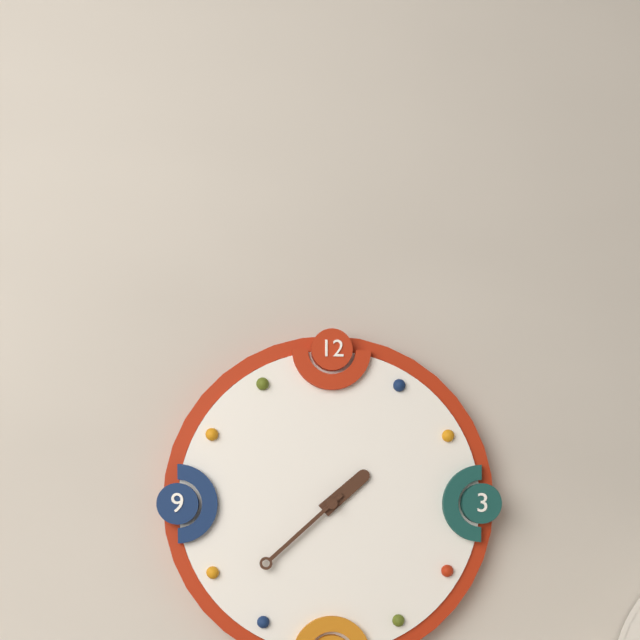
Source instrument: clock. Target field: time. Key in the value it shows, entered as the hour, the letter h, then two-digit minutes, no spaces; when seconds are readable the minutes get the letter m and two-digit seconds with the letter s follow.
1h38
